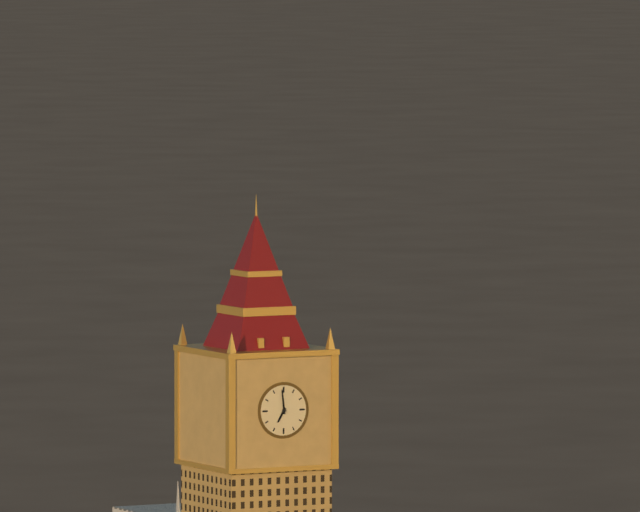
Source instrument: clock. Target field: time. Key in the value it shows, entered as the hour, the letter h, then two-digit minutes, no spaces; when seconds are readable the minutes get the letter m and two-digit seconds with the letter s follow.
6h59
